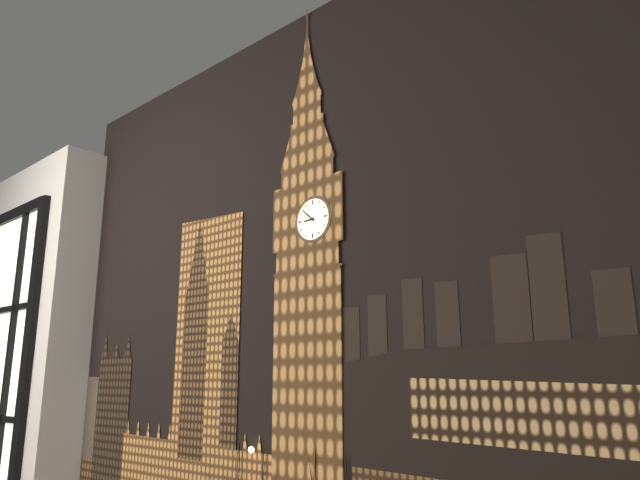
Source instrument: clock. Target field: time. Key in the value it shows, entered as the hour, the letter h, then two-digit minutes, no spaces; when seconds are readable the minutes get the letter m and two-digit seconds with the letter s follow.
8h52
